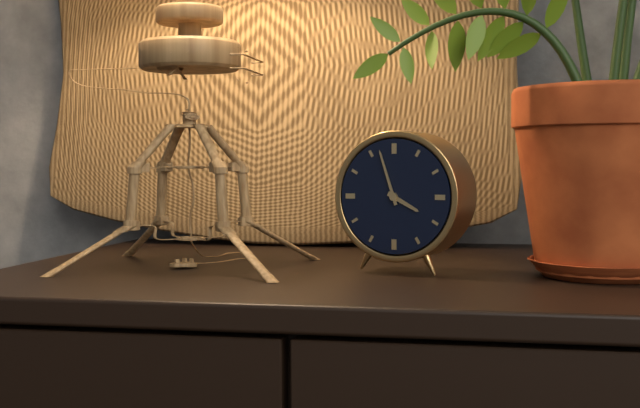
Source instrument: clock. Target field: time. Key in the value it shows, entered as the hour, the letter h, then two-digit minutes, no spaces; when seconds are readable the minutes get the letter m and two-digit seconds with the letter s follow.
3h57
